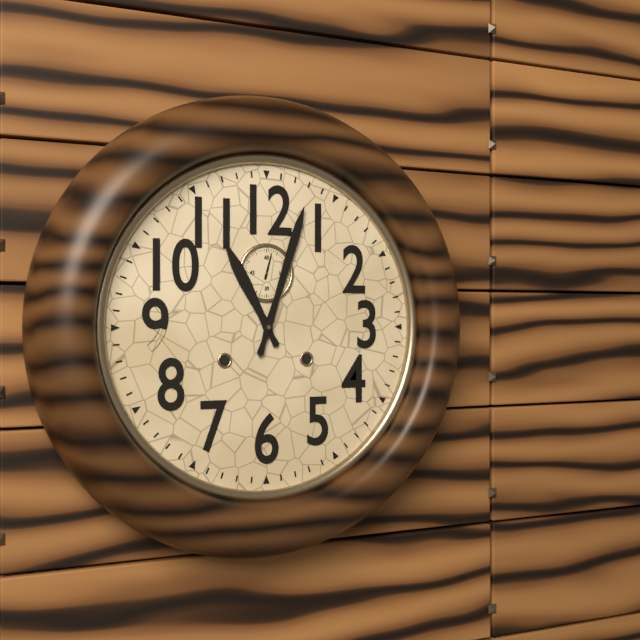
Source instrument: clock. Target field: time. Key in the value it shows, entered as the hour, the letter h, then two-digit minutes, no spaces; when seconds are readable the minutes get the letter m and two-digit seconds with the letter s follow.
11h03
